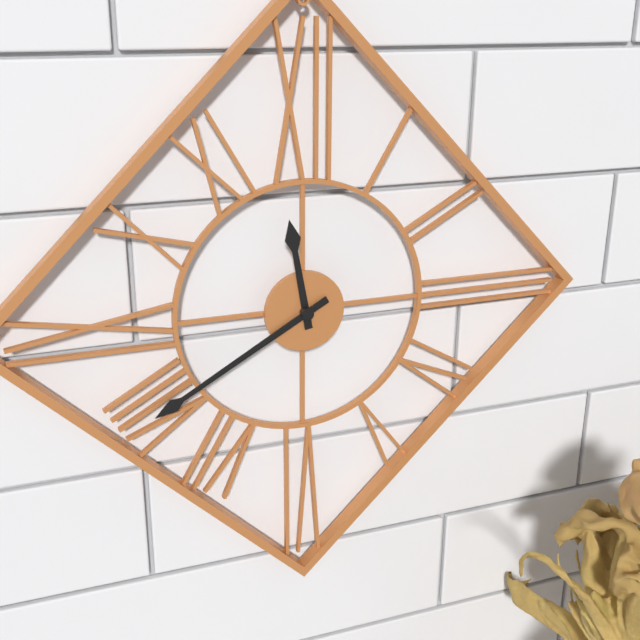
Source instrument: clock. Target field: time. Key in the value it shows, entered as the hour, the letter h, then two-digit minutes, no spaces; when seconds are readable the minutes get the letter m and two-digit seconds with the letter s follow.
11h40
